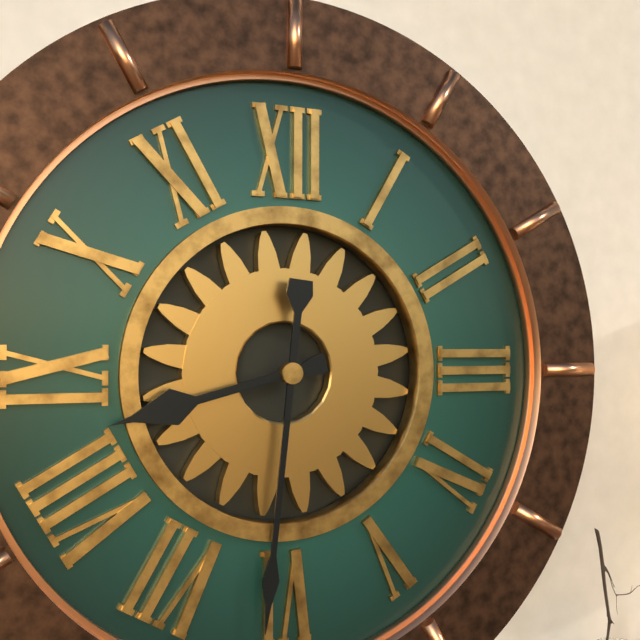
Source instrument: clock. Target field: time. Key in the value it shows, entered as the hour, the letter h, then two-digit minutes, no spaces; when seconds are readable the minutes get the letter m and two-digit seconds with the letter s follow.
8h31
